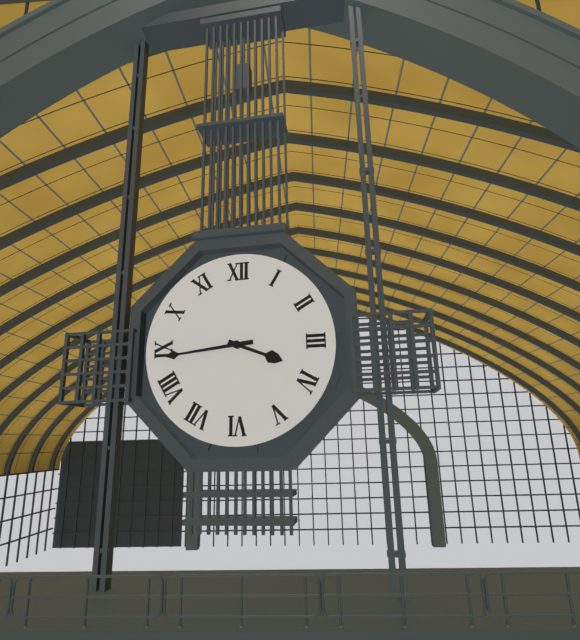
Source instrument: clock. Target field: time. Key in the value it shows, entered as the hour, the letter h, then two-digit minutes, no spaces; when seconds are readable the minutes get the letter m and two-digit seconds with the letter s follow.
3h44
